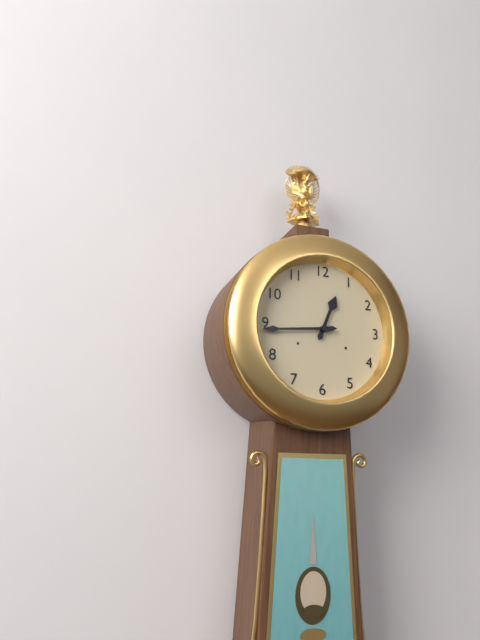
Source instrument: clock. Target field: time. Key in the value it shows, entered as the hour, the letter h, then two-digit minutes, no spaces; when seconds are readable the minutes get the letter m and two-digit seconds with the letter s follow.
12h44
